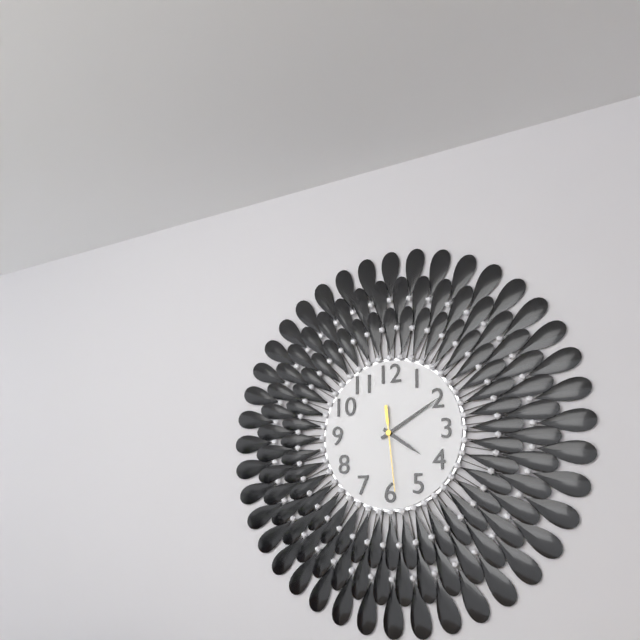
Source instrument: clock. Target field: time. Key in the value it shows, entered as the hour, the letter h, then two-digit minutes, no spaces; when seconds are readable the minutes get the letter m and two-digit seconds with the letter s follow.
4h10m29s
